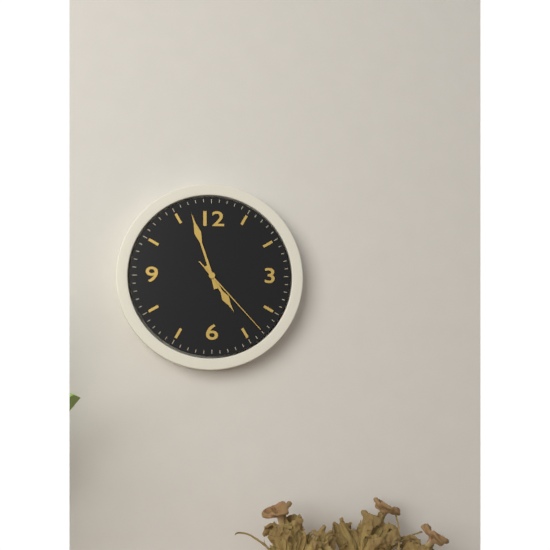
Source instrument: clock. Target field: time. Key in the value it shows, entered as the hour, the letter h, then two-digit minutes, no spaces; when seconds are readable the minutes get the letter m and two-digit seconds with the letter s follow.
4h57m23s
